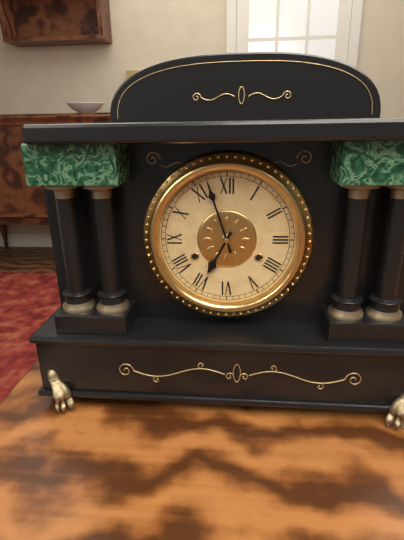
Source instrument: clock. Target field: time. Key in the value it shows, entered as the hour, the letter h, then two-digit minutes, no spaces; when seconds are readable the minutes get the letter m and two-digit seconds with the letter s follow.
6h57
